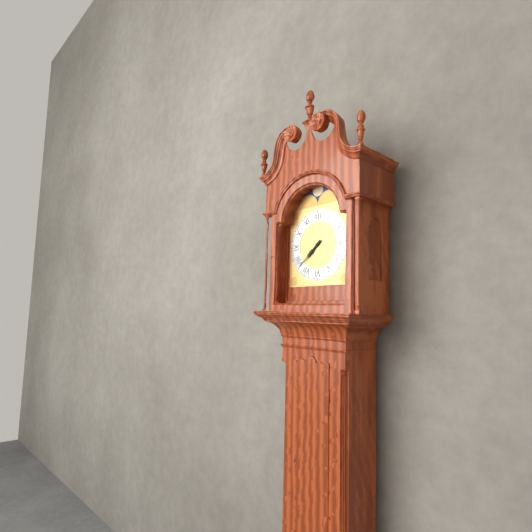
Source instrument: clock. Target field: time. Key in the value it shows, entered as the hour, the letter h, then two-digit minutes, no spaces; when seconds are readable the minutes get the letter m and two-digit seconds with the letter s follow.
7h38
